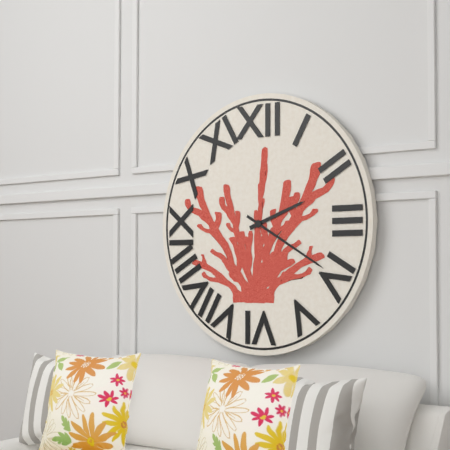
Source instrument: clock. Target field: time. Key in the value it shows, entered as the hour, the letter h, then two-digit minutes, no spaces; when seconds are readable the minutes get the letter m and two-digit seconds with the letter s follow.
2h20
